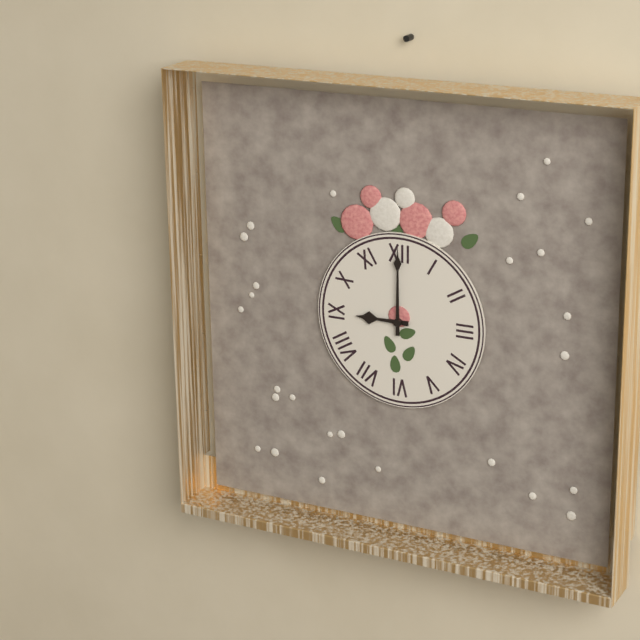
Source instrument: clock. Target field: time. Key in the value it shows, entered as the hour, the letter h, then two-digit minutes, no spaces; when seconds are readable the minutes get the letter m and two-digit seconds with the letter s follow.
9h00
